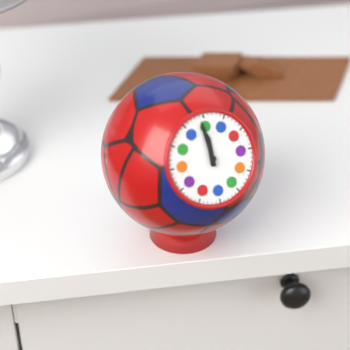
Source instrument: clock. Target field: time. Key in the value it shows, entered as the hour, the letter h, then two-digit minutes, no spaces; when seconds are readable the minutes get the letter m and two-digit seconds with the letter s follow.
11h59
